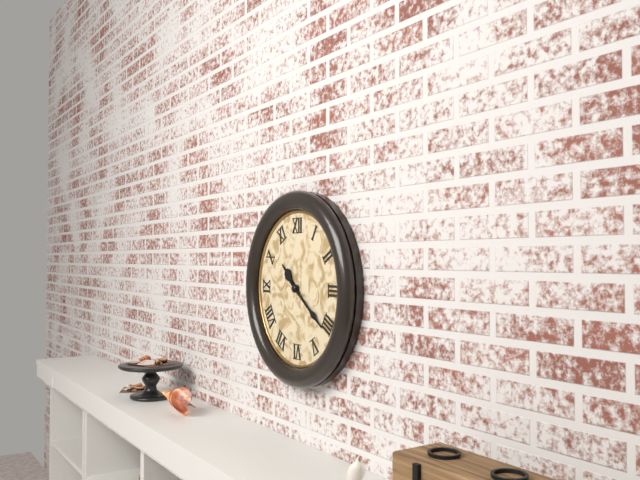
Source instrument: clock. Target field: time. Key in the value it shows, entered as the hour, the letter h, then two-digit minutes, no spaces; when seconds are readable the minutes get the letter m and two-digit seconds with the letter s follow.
10h21
